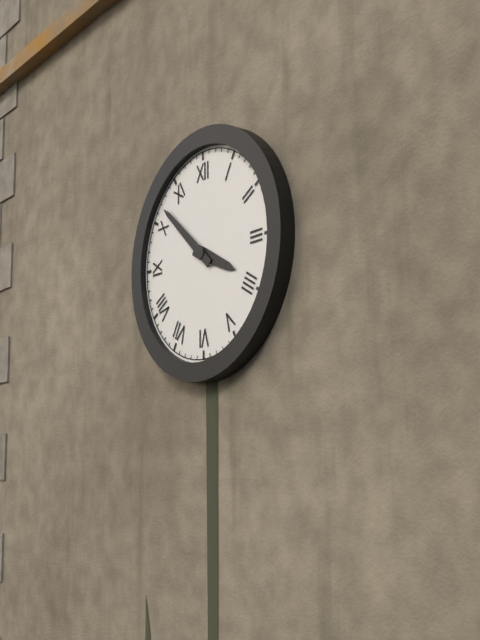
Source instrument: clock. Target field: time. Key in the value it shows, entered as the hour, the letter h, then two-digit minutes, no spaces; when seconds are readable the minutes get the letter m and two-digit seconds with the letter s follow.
3h52
